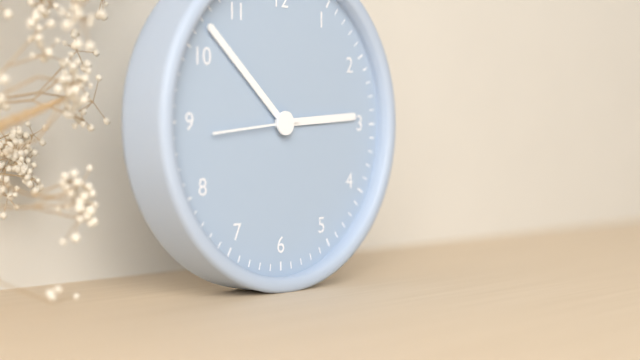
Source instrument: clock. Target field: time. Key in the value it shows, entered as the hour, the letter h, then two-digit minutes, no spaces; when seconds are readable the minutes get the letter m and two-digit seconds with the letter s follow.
2h52m44s
